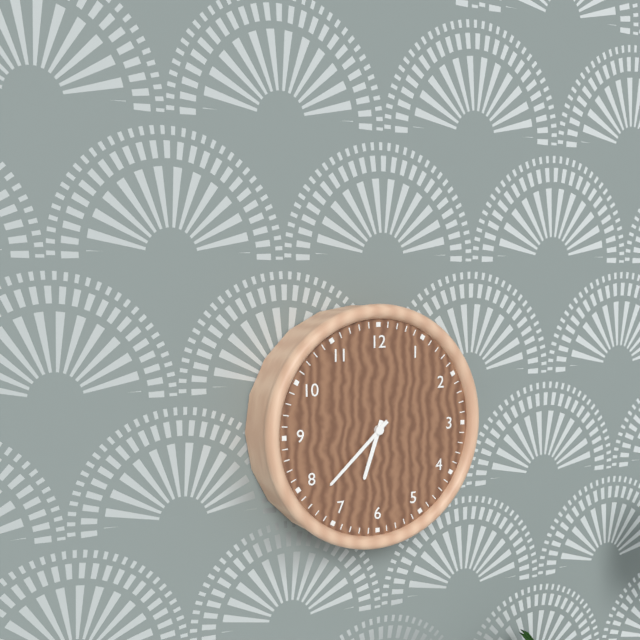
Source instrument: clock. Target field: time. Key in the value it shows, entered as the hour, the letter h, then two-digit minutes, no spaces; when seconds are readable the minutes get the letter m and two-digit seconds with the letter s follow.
6h38
